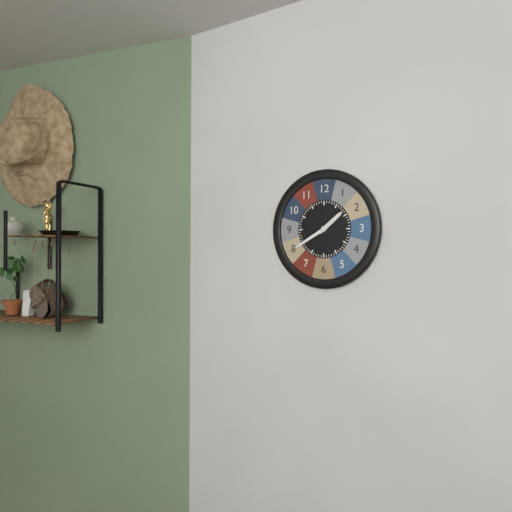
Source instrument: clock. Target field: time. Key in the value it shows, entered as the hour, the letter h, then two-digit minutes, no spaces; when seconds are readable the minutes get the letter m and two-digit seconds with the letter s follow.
1h40
